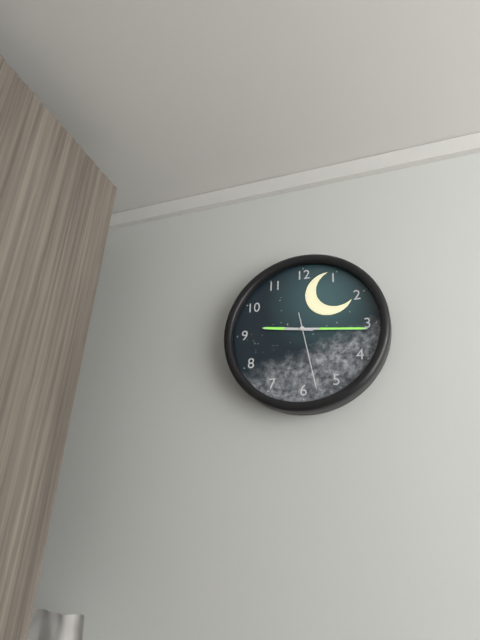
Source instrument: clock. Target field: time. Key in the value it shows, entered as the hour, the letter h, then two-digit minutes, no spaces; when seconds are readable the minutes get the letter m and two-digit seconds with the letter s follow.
9h16m28s
